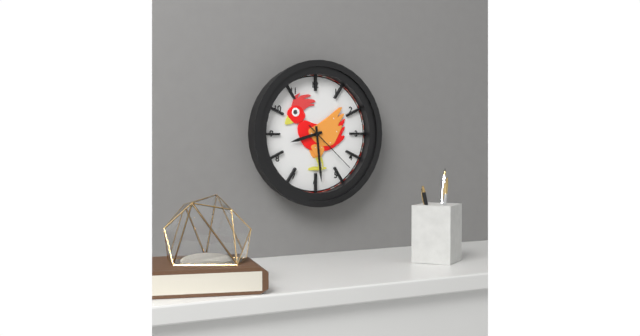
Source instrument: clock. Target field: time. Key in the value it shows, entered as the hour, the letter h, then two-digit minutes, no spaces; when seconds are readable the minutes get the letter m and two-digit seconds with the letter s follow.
8h29m22s
